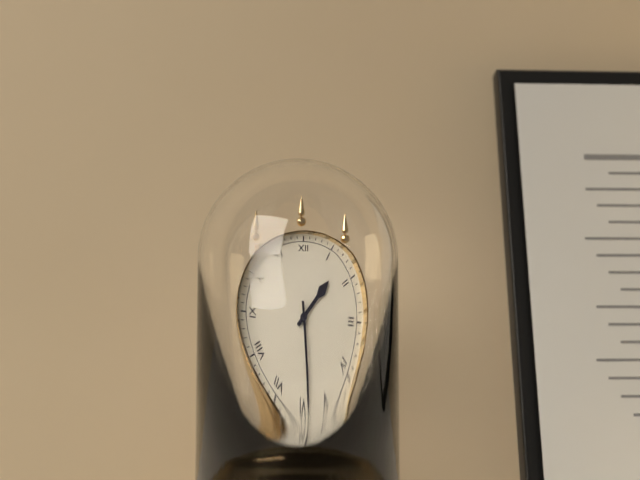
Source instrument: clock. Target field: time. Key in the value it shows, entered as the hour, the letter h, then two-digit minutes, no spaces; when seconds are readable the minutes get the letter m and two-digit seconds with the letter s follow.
1h29
